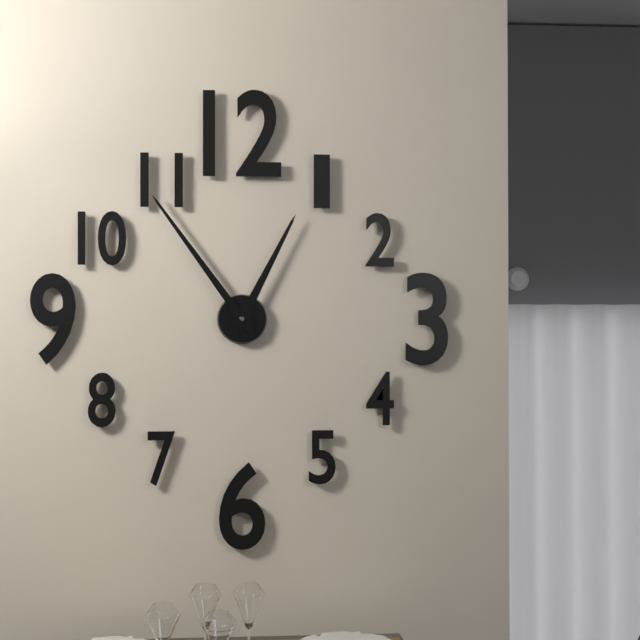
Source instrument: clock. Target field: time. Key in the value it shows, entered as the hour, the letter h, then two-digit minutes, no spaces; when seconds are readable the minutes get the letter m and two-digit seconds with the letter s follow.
12h54
